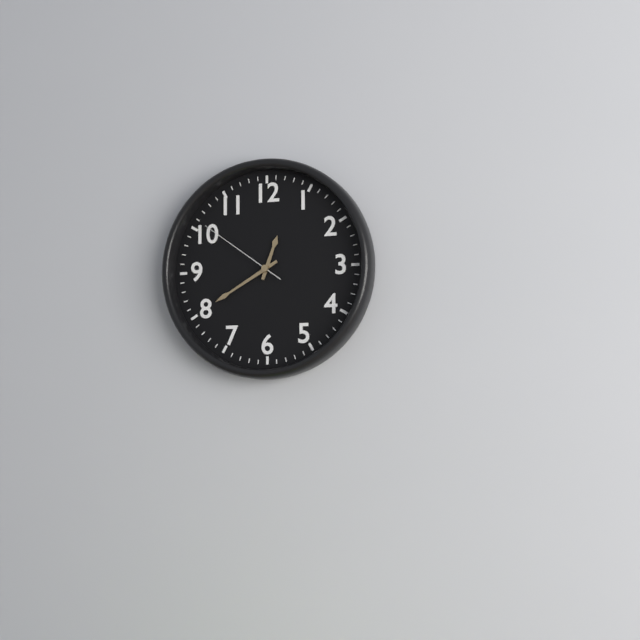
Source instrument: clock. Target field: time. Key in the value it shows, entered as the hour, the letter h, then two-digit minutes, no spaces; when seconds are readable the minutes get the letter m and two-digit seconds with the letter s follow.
12h40m51s
